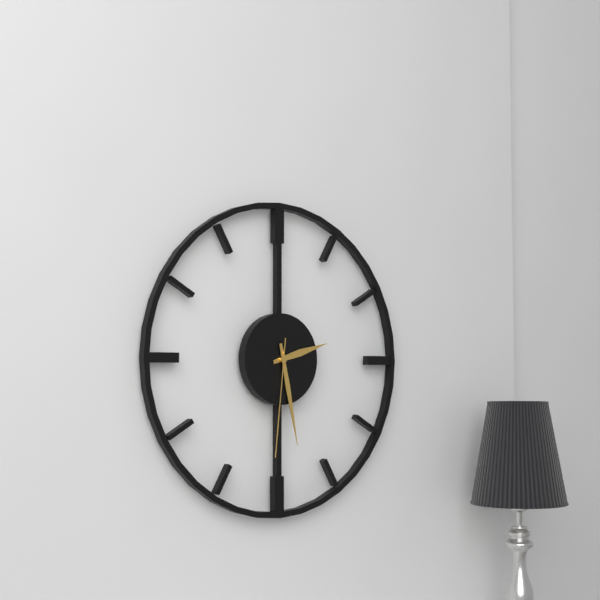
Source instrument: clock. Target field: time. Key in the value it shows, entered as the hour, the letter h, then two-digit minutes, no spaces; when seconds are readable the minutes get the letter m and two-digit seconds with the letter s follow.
2h28m31s
